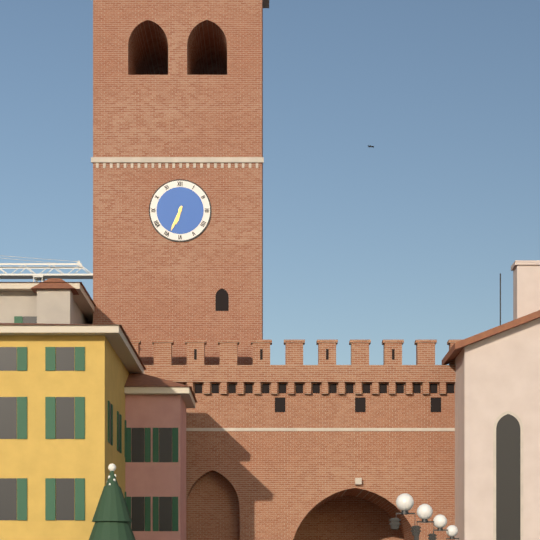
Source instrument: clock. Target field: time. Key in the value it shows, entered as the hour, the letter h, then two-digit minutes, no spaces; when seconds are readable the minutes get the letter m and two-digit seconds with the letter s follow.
6h34
